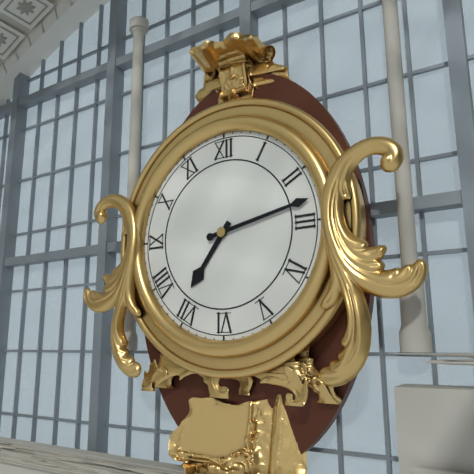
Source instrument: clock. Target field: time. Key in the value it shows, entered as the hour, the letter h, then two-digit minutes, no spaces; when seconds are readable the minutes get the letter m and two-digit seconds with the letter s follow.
7h13
